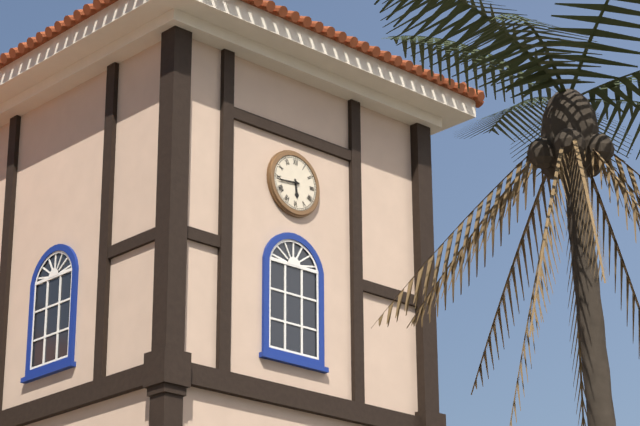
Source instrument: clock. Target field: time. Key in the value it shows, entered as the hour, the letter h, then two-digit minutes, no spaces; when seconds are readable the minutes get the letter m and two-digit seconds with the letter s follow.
5h44
